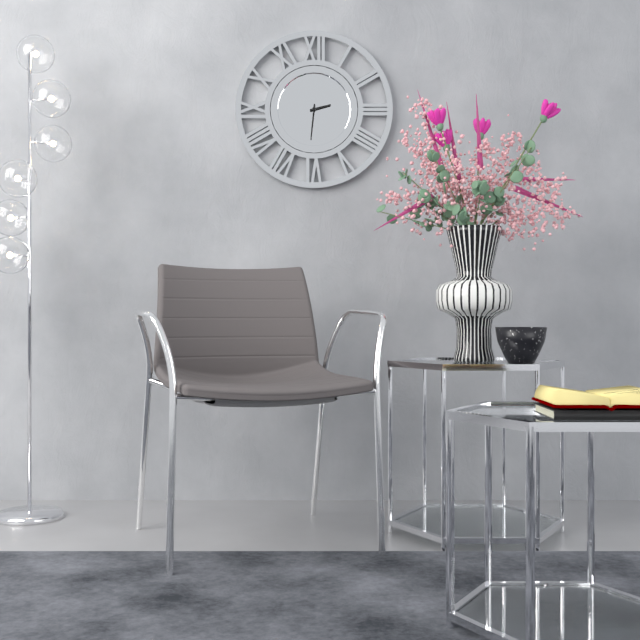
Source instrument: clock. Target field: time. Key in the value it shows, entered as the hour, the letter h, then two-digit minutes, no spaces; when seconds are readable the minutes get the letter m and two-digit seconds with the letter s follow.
2h31
